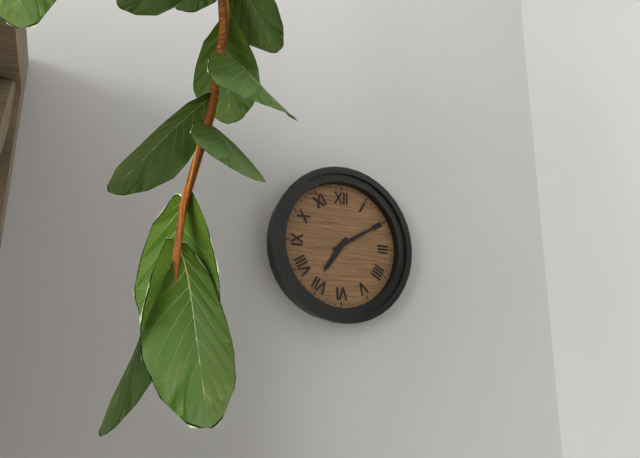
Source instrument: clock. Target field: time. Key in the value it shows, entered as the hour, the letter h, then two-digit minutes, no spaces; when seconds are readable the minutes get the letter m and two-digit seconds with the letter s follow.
7h10
